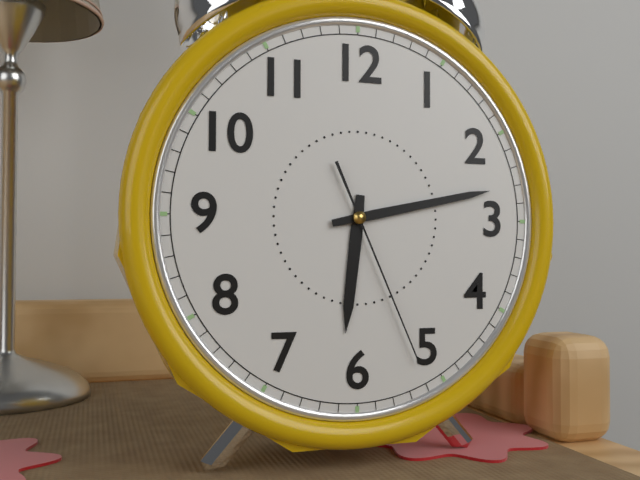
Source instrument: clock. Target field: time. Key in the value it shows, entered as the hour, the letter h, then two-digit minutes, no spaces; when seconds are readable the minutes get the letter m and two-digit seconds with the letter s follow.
6h13m26s
